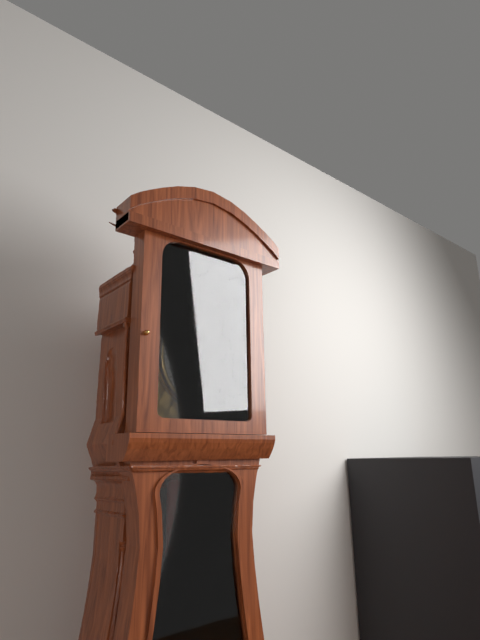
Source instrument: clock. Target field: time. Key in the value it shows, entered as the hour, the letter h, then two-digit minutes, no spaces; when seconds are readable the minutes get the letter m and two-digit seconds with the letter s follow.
4h01
